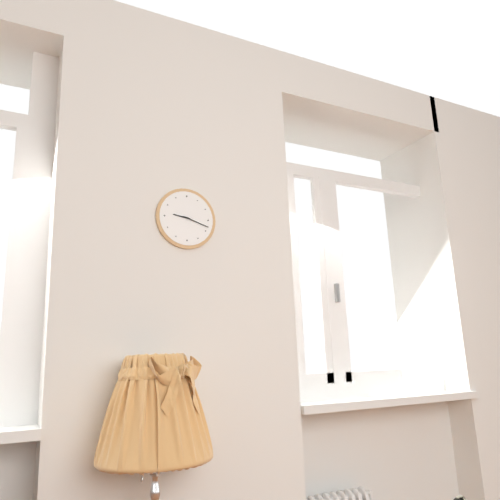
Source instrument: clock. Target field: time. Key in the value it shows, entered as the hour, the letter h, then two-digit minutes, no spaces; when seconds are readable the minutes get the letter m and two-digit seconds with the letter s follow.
9h18
